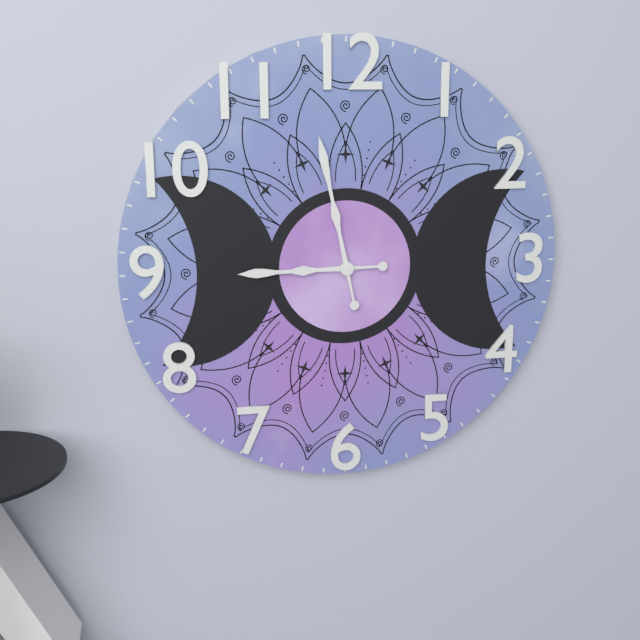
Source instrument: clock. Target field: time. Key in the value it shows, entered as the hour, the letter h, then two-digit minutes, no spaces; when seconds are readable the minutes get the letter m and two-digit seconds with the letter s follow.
8h58
